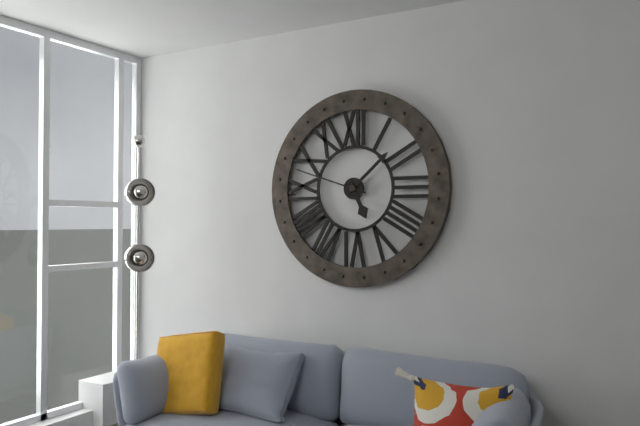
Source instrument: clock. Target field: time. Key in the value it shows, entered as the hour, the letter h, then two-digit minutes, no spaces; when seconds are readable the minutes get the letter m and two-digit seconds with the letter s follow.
5h08m48s
